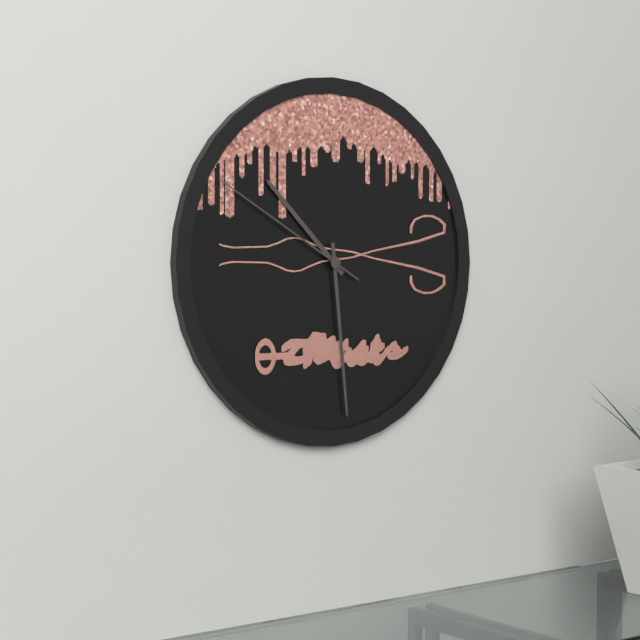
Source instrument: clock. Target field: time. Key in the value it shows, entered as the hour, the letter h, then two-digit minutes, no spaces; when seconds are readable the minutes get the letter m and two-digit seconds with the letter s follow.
10h29m50s
